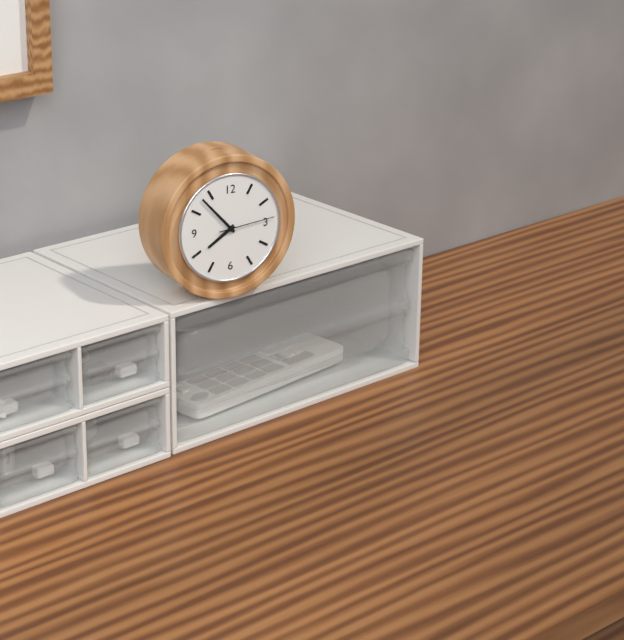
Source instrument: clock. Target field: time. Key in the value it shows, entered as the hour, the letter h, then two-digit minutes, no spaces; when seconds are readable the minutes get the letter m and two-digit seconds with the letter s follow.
7h53m14s
